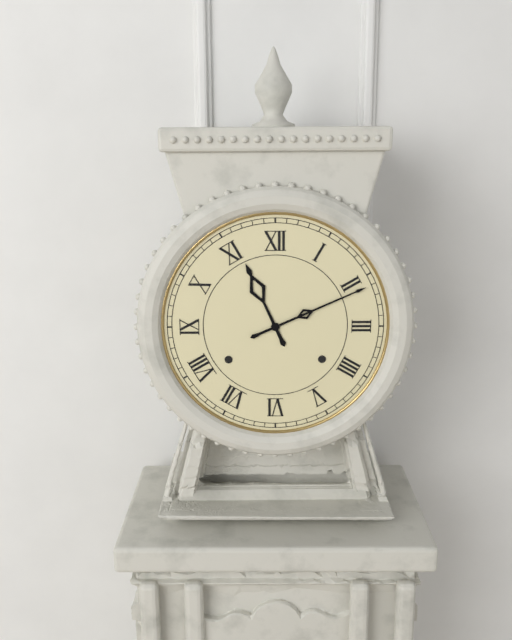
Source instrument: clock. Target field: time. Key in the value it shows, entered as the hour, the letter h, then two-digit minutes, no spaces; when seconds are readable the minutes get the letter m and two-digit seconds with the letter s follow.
11h11
